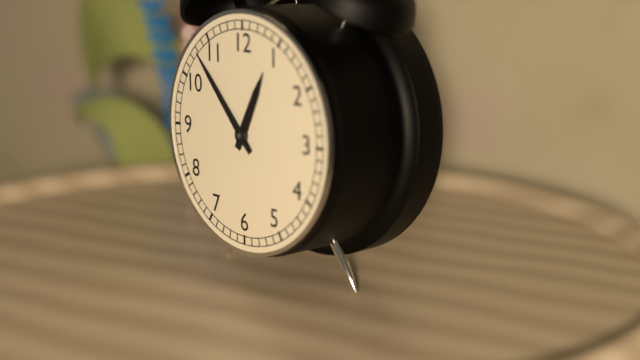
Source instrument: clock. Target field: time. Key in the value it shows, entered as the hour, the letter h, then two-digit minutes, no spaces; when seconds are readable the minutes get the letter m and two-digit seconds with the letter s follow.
12h53
